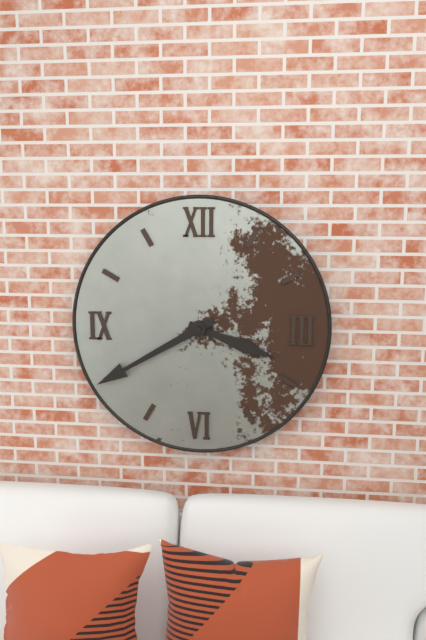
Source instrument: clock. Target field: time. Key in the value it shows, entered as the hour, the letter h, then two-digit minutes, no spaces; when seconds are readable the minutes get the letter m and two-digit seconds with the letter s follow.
3h40
